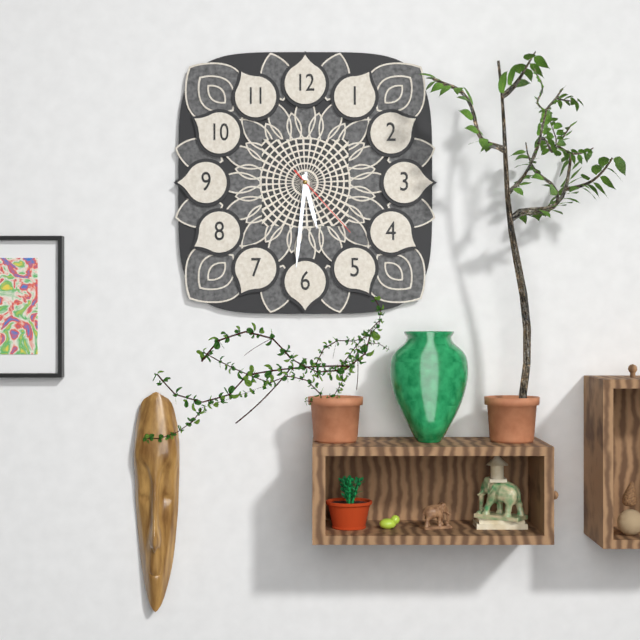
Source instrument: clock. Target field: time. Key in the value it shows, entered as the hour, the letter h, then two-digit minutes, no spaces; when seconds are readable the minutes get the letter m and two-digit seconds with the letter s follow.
5h31m23s
